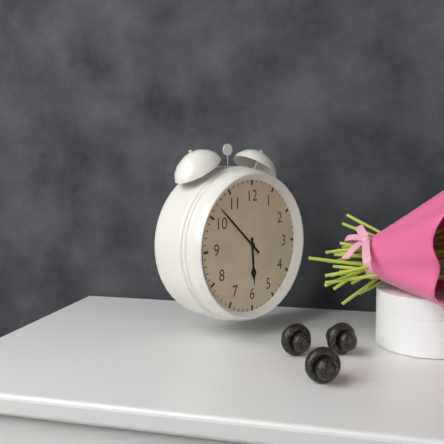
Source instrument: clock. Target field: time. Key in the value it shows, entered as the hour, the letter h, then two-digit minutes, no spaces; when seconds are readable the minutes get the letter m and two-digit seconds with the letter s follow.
5h52
